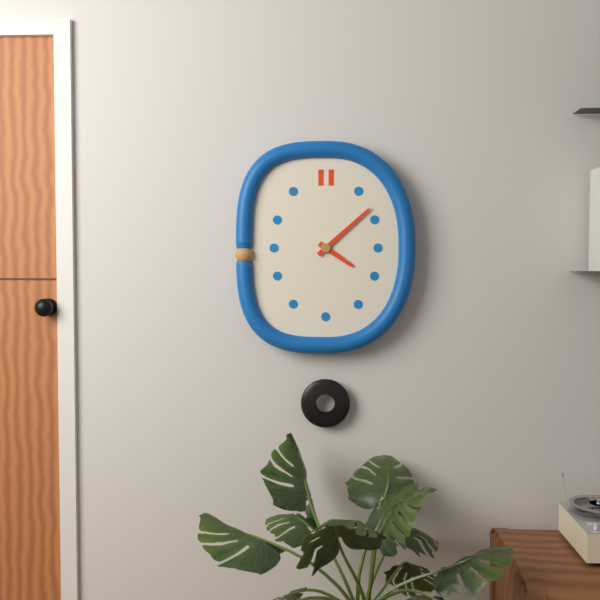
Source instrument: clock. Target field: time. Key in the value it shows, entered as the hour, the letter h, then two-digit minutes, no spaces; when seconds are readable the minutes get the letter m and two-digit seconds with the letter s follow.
4h08
